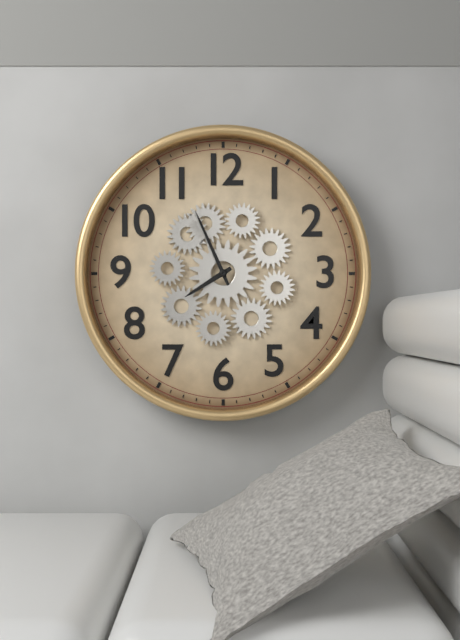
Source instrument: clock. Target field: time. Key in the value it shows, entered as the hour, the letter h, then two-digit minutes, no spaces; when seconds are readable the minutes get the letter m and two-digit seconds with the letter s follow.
7h56
